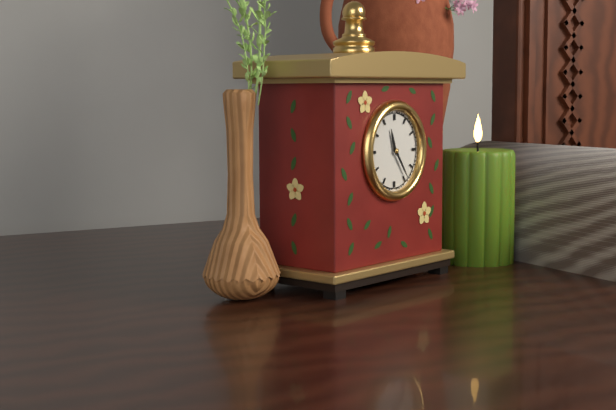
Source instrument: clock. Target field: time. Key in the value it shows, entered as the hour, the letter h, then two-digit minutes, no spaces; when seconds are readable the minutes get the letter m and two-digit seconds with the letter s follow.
11h24
